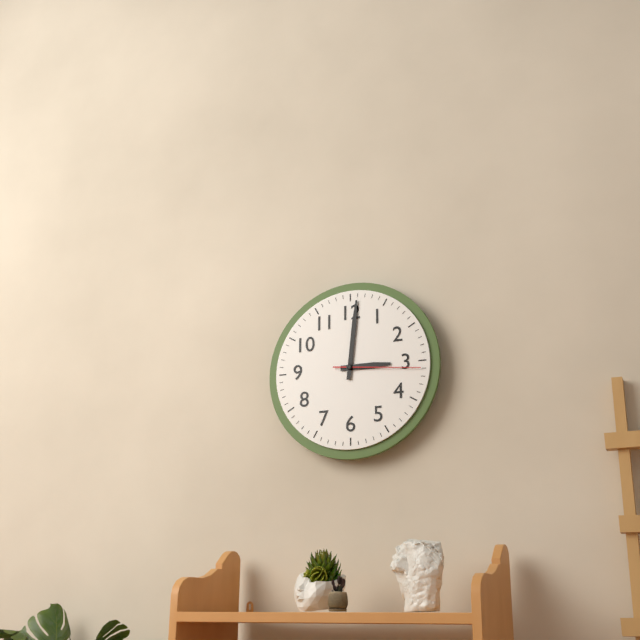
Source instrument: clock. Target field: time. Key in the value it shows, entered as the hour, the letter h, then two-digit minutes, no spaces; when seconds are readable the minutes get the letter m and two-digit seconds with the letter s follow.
3h01m16s
